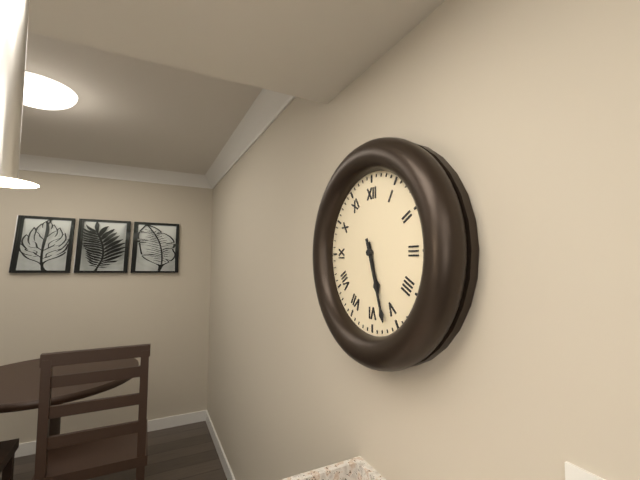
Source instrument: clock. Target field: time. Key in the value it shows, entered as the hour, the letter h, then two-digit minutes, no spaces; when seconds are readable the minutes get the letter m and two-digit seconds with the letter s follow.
5h27
